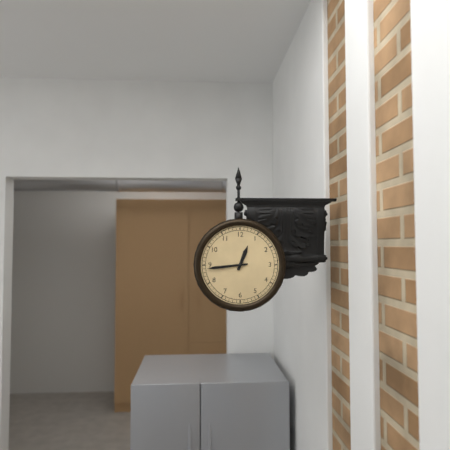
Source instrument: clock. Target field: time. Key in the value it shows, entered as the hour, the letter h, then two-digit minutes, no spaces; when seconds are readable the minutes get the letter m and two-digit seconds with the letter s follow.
12h44
